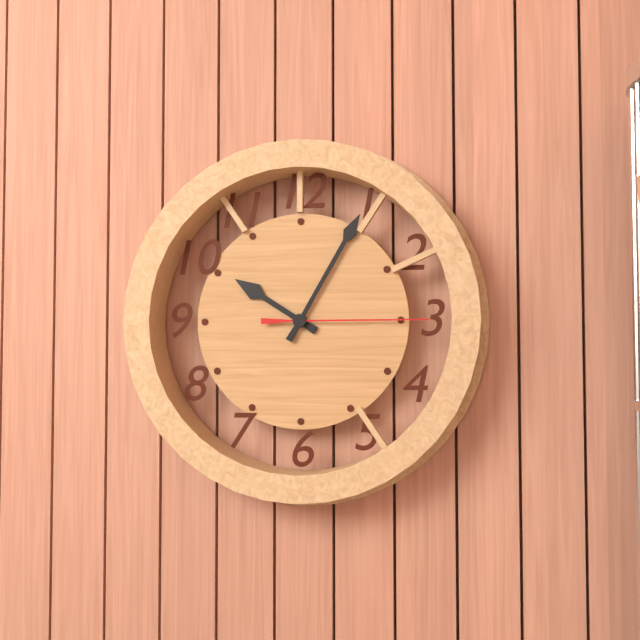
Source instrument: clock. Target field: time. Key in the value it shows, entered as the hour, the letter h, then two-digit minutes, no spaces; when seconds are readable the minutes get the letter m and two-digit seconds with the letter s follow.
10h05m15s
